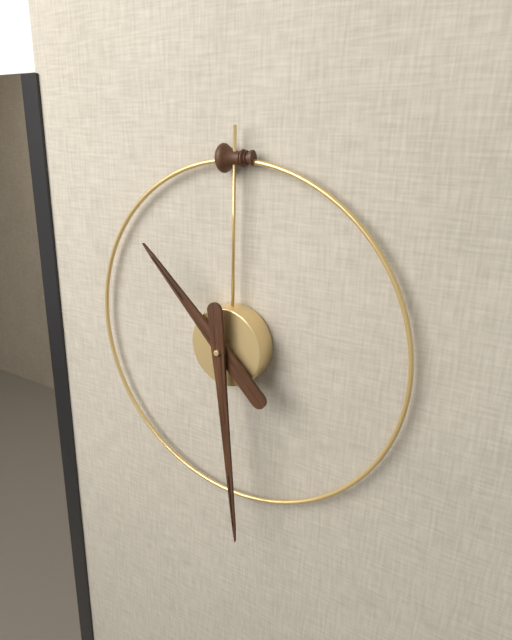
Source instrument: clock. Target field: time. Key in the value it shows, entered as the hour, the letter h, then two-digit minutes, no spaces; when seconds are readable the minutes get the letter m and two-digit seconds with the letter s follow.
10h29
